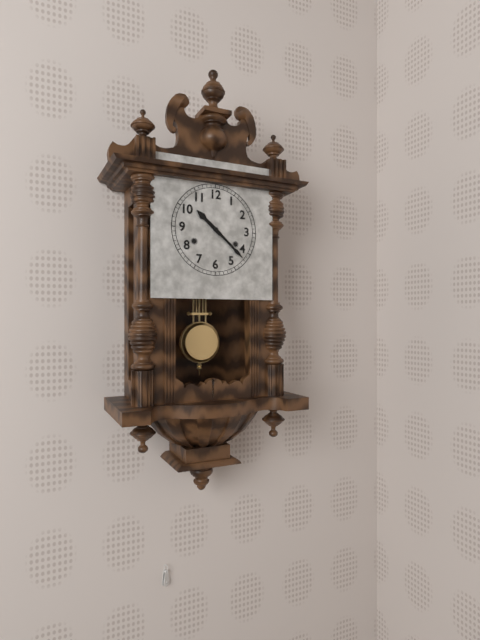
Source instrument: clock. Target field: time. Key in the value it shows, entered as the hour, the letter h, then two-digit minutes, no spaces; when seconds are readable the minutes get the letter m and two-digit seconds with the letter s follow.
10h22
